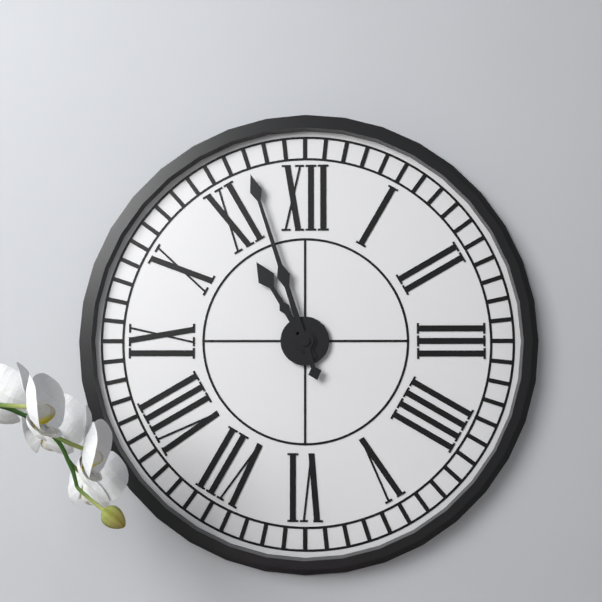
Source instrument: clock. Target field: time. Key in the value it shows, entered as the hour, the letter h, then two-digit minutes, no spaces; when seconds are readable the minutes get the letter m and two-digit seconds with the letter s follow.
10h57
